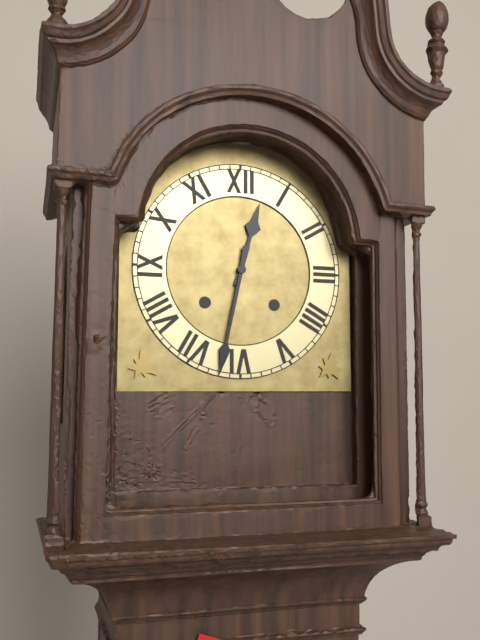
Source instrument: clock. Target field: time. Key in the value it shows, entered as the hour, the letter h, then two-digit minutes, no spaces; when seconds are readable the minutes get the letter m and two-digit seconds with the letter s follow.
12h32
